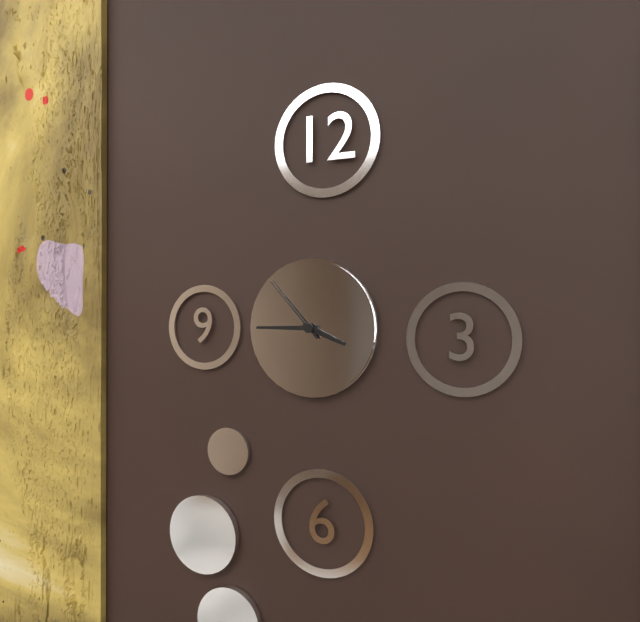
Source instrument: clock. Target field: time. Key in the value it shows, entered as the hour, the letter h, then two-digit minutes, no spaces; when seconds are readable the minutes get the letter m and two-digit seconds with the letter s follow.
3h45m53s
